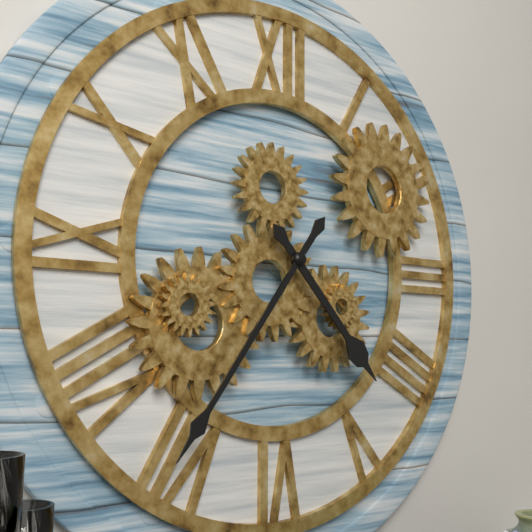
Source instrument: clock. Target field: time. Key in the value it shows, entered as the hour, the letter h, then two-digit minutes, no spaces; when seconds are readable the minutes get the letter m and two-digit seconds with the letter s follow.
4h36
